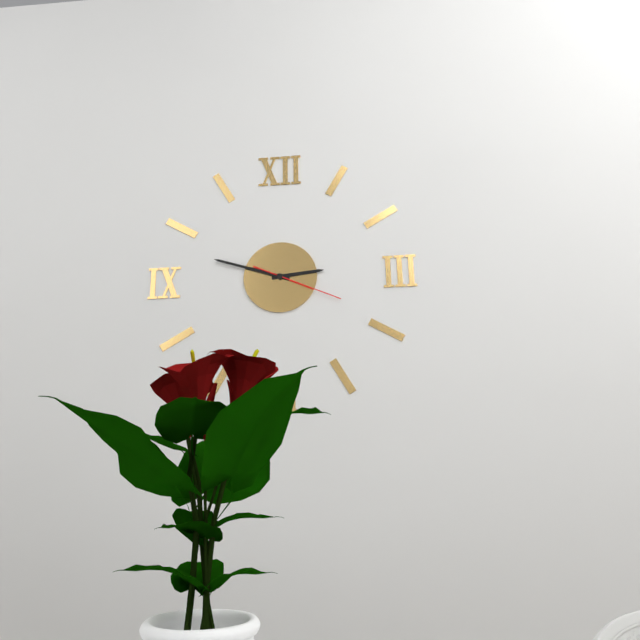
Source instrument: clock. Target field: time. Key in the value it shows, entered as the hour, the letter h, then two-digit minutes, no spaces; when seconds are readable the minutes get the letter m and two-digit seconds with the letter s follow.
2h48m19s
